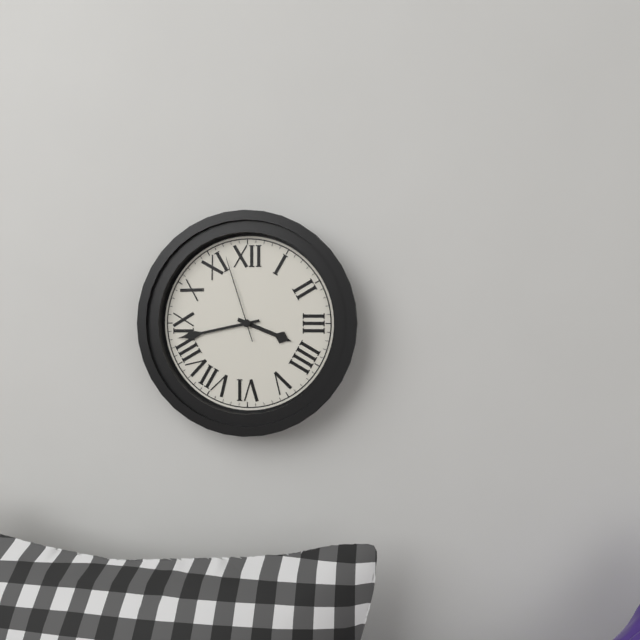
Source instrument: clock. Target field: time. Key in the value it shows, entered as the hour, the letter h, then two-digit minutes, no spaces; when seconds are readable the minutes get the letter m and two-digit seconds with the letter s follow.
3h43m57s
